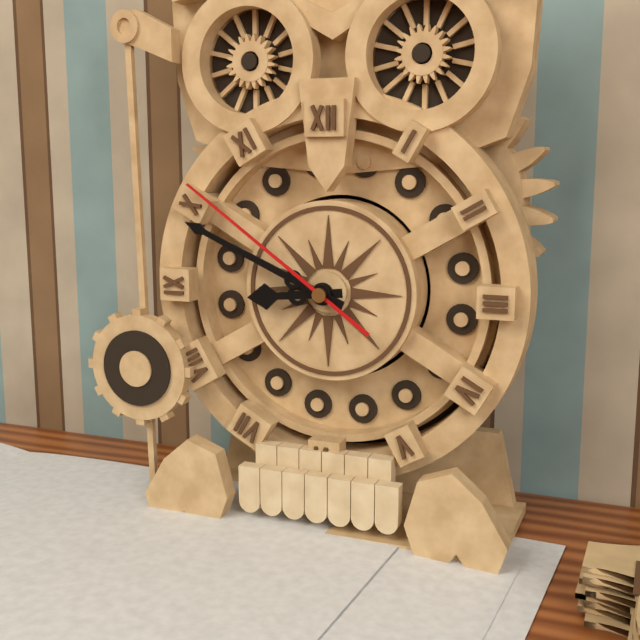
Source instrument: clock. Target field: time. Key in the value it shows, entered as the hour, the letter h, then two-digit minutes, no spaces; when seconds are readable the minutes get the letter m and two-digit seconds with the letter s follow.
8h49m51s
